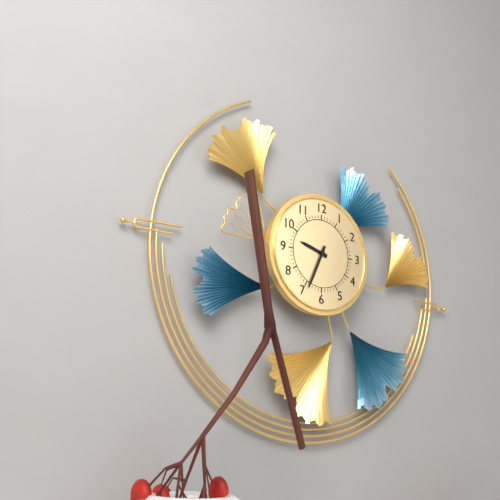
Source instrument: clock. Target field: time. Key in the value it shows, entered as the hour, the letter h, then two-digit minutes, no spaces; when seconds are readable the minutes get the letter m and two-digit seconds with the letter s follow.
9h34
